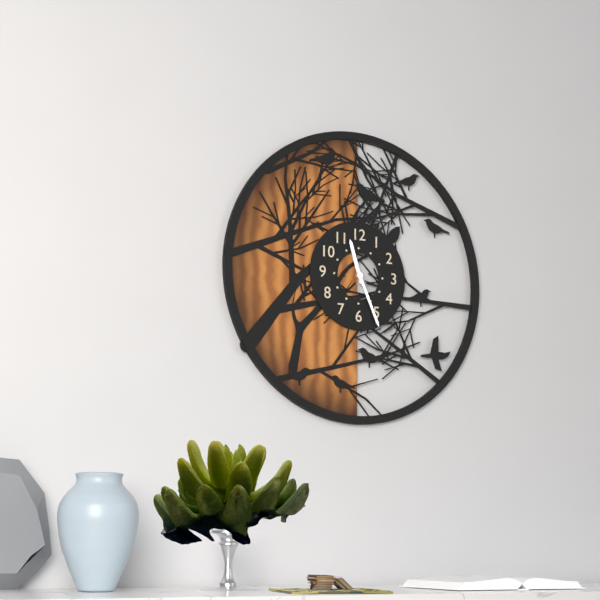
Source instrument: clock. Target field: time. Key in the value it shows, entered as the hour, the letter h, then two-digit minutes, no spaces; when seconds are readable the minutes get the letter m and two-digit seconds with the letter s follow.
11h26
